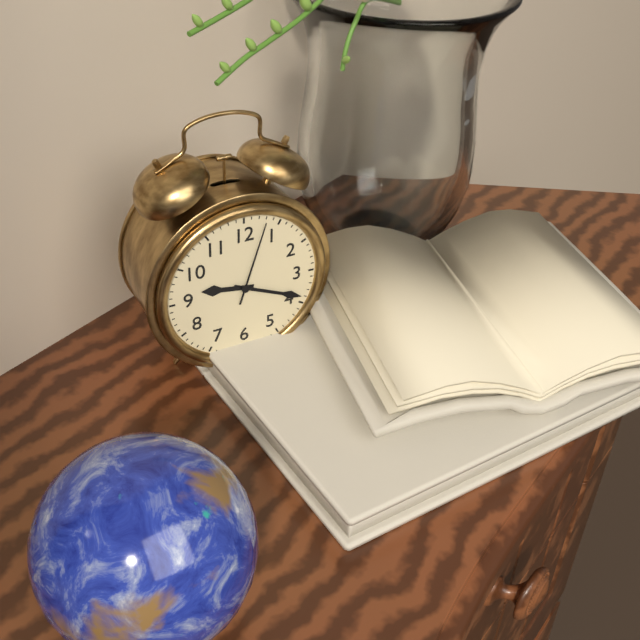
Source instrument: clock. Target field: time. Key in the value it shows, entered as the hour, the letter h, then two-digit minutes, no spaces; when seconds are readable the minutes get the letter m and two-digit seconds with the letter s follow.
9h19m03s
